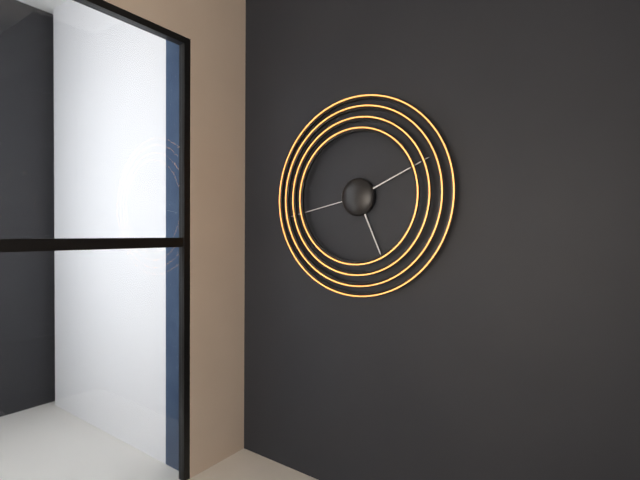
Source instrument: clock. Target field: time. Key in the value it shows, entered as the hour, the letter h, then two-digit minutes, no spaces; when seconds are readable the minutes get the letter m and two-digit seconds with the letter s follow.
5h11m43s
